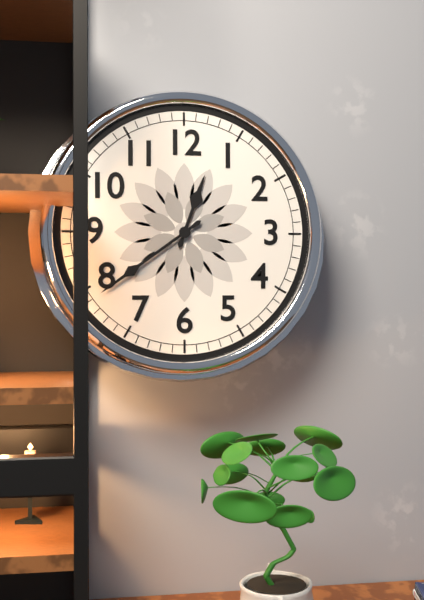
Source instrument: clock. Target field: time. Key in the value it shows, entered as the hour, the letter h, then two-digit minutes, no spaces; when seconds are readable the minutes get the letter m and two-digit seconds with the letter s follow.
12h39
